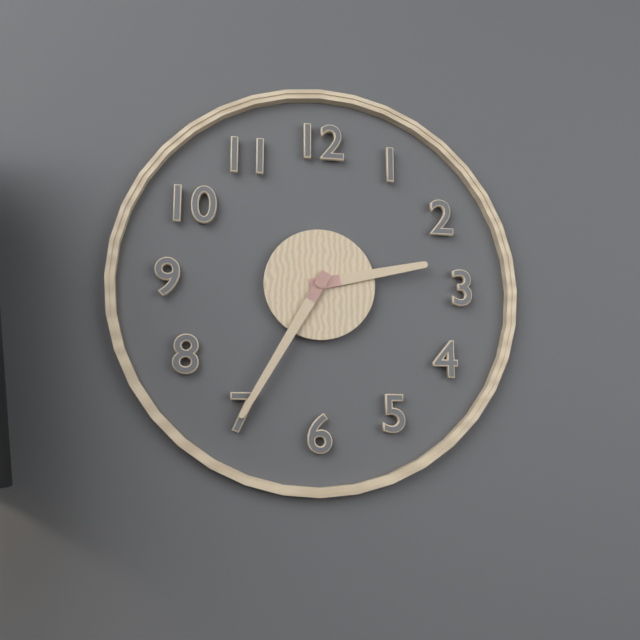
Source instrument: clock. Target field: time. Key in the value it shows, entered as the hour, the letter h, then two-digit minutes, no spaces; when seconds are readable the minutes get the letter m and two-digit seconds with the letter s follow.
2h35
